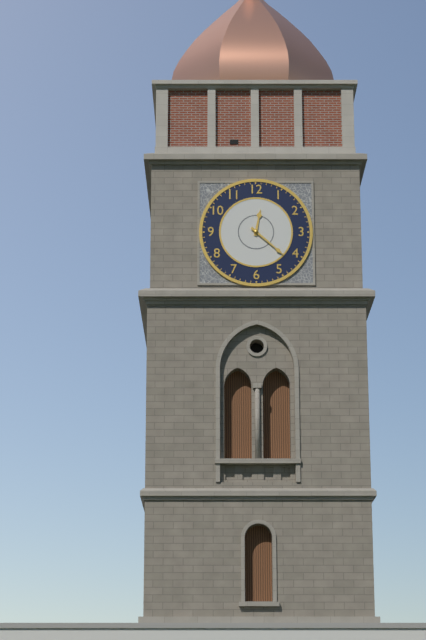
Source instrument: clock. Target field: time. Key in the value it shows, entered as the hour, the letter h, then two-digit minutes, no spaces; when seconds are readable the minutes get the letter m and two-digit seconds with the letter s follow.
12h22
